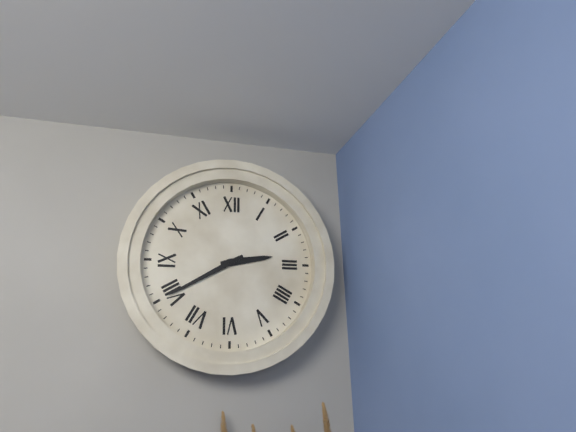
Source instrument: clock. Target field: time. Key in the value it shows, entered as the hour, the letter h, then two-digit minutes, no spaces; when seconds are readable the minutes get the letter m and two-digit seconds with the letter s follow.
2h40
